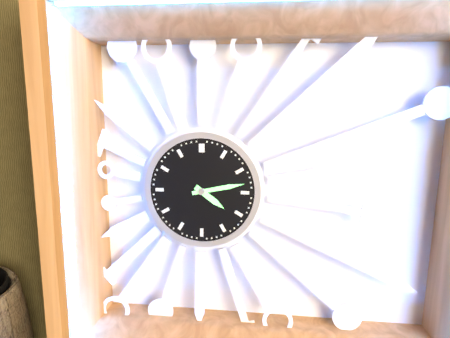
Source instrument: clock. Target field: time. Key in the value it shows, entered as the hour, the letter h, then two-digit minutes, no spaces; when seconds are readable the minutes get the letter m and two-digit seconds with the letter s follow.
4h13
